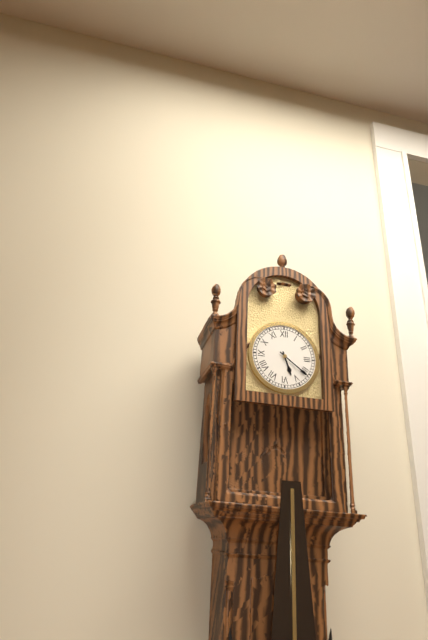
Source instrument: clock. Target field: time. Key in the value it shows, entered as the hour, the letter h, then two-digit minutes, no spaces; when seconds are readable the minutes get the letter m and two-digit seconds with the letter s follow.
5h21
